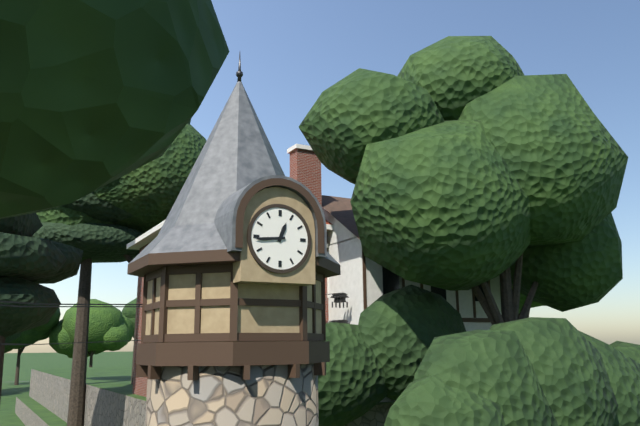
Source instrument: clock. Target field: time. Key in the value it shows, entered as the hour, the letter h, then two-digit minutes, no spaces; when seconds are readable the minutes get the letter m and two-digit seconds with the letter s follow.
12h44
